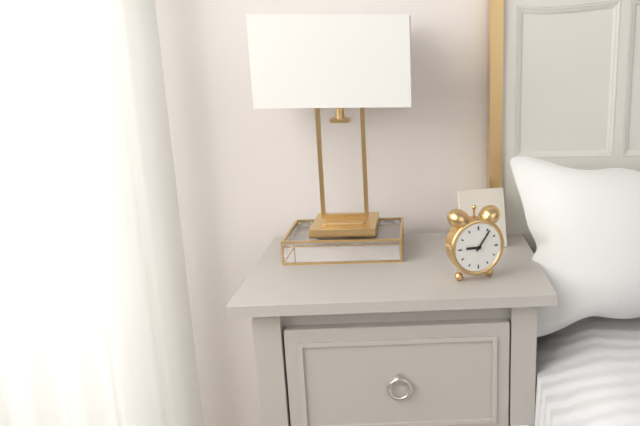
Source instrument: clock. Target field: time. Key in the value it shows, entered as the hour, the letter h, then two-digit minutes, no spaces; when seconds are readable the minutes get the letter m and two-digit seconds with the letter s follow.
9h06
